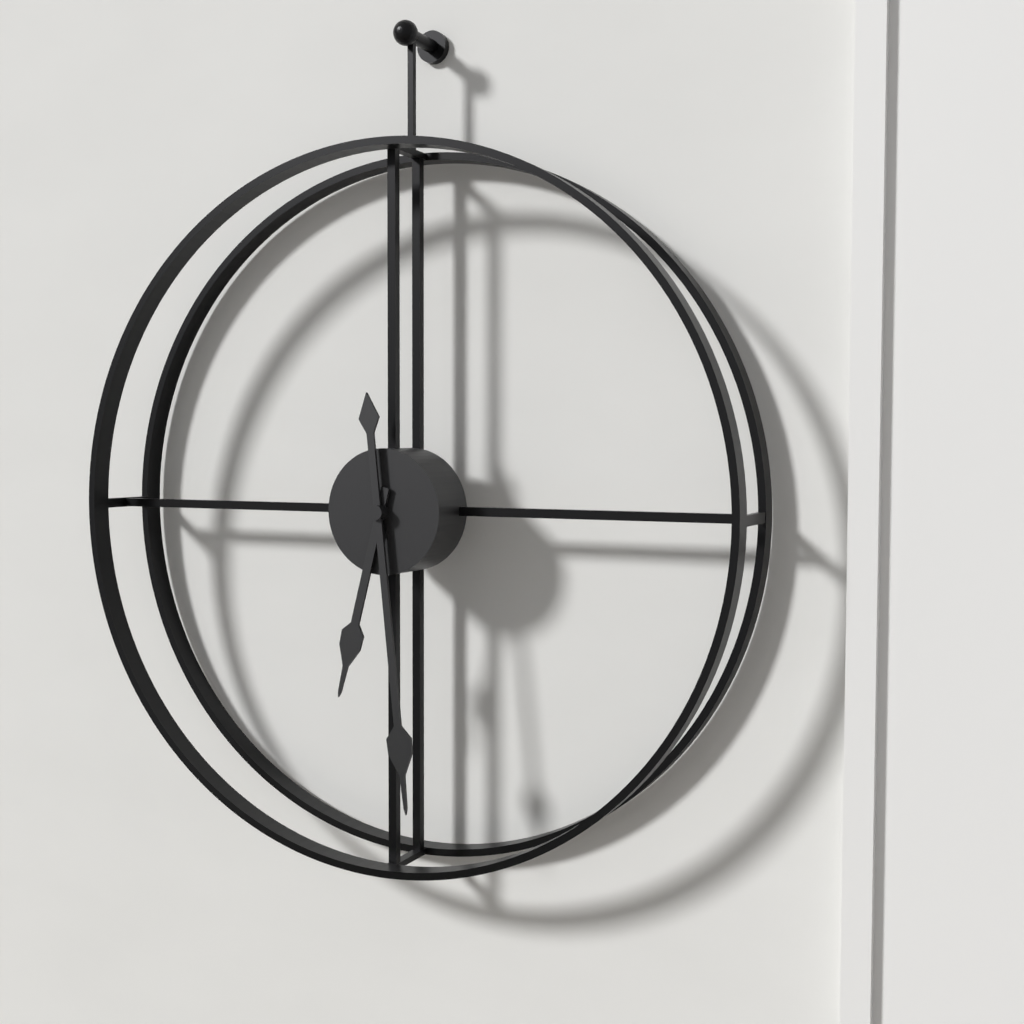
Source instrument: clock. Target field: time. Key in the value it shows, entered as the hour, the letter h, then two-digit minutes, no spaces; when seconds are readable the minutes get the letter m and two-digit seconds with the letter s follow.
6h29
